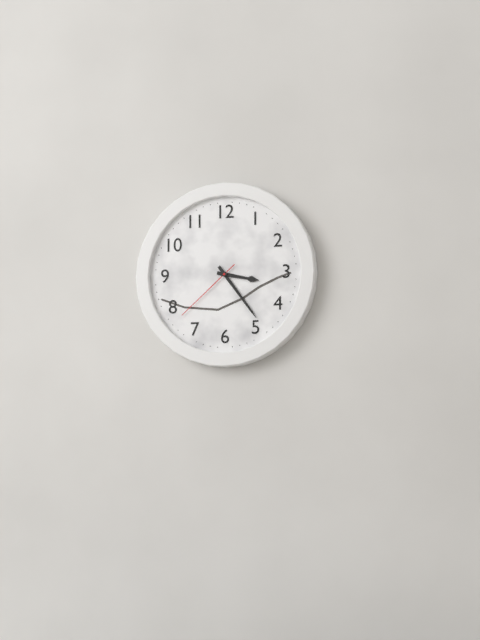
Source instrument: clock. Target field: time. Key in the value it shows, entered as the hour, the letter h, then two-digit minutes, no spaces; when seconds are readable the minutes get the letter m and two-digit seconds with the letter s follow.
3h24m38s
